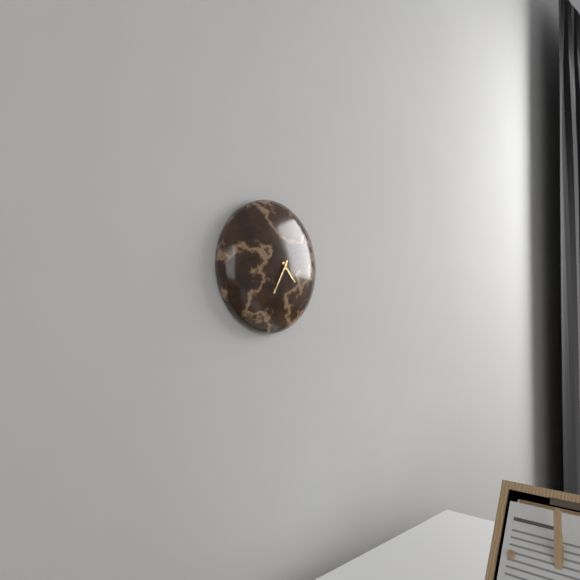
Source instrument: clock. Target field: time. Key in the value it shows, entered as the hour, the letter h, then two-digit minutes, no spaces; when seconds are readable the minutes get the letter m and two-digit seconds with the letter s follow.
4h35
